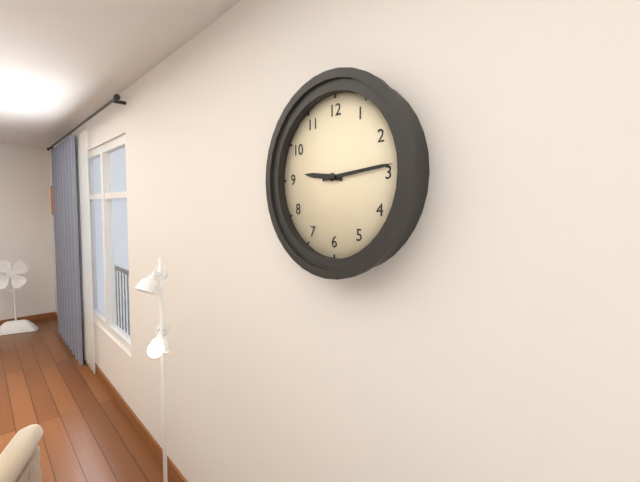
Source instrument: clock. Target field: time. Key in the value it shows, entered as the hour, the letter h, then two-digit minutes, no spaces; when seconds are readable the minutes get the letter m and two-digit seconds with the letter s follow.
9h14
